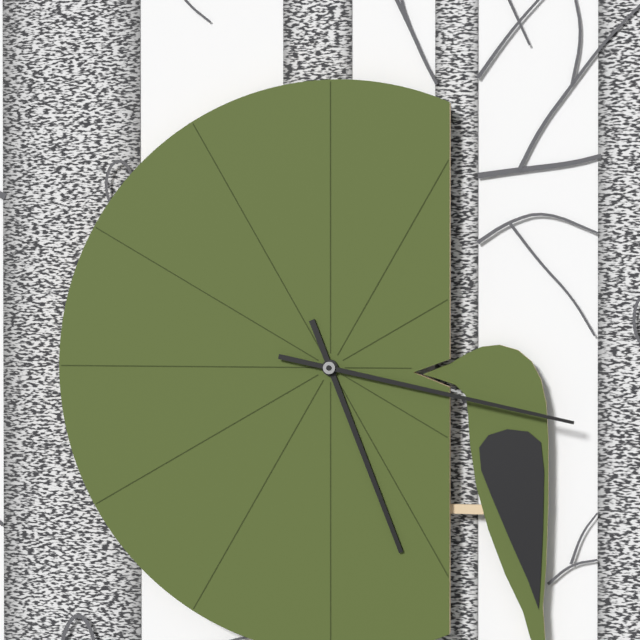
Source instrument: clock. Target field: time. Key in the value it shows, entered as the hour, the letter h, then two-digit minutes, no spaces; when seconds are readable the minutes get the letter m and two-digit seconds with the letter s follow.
5h17
